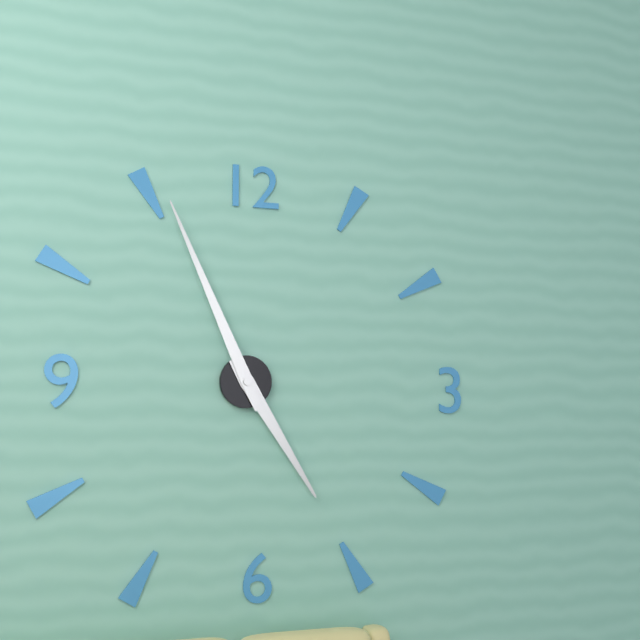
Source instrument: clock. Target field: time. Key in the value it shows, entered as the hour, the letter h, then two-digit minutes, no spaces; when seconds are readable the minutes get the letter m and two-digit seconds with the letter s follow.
4h56
